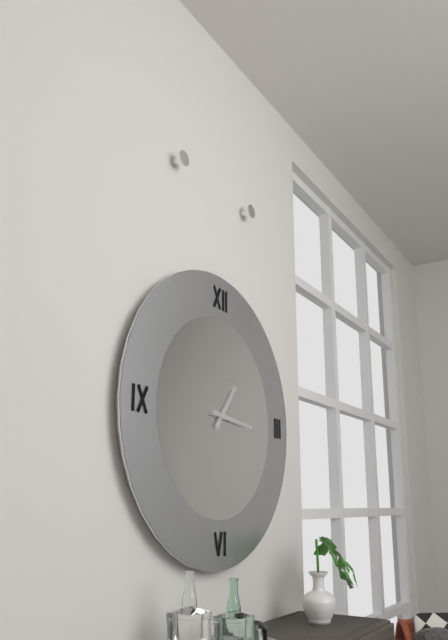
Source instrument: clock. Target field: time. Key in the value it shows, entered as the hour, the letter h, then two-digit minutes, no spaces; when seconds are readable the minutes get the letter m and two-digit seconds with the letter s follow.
1h16
